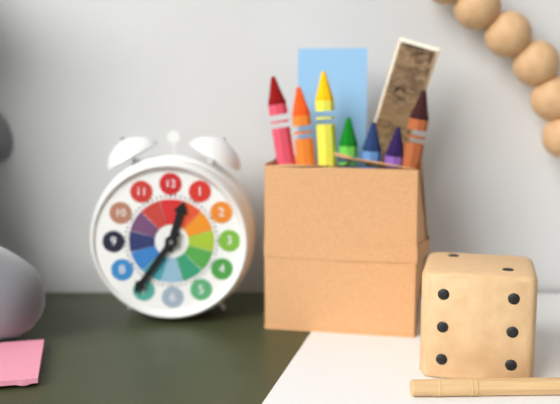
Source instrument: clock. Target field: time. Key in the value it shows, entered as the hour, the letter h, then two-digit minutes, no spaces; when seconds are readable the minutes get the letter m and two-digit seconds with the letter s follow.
12h36
